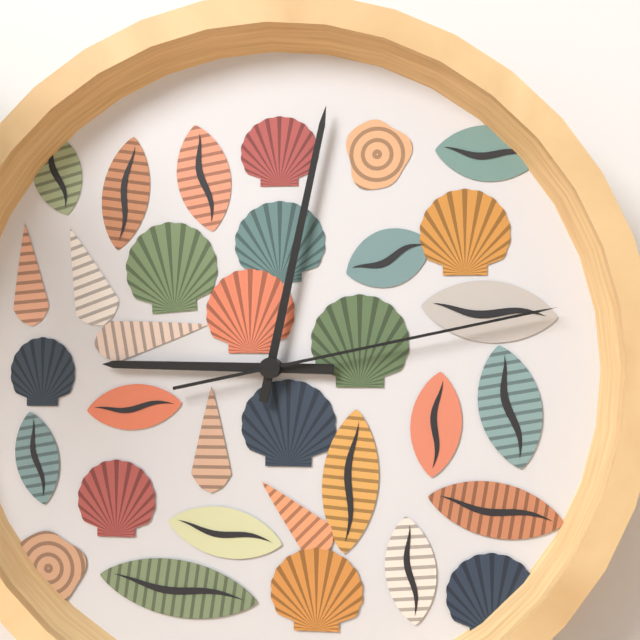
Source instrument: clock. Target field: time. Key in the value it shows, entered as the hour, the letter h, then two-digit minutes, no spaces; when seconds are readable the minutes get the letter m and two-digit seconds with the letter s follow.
9h02m13s
